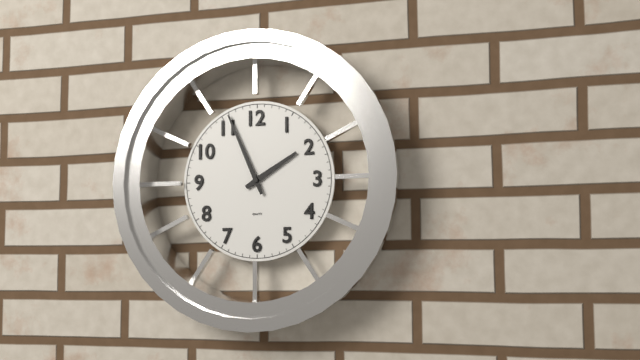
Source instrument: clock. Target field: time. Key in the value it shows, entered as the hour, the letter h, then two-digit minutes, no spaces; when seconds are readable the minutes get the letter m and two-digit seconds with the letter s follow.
1h56
